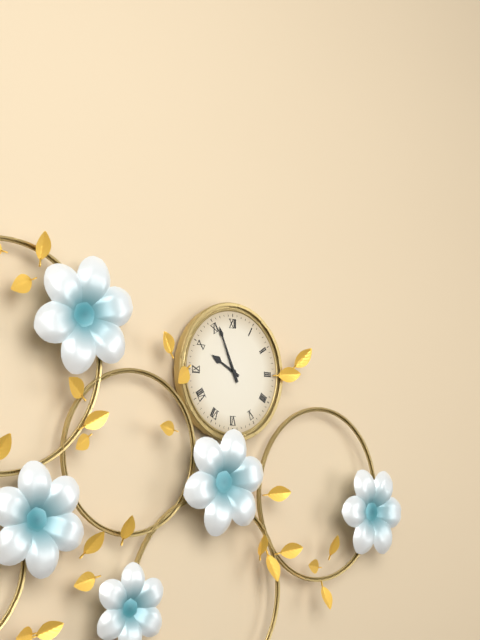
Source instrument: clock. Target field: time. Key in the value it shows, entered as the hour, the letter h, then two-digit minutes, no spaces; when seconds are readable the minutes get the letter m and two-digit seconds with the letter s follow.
9h56
